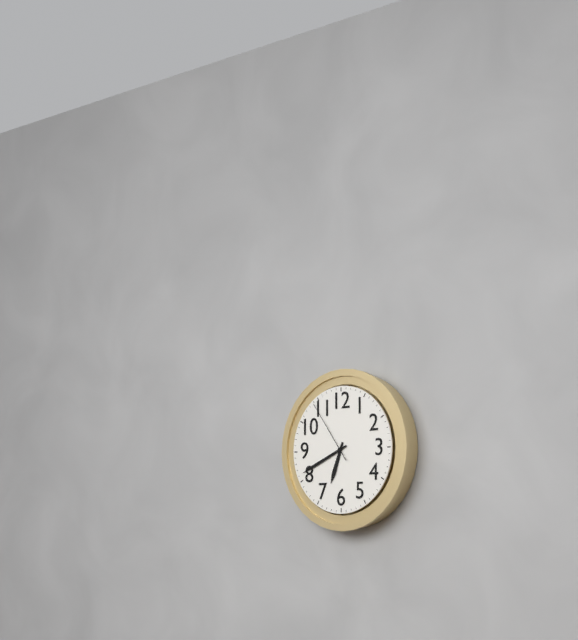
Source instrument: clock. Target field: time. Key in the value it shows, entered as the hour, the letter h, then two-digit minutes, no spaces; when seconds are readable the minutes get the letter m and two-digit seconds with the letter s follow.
6h41m54s
